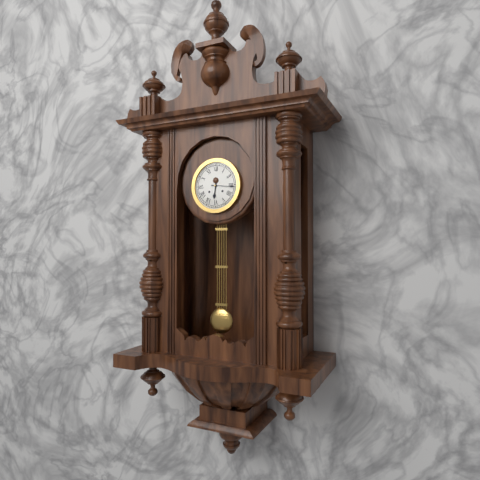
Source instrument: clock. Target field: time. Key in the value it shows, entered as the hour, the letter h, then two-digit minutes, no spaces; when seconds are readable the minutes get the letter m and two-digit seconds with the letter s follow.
6h16
